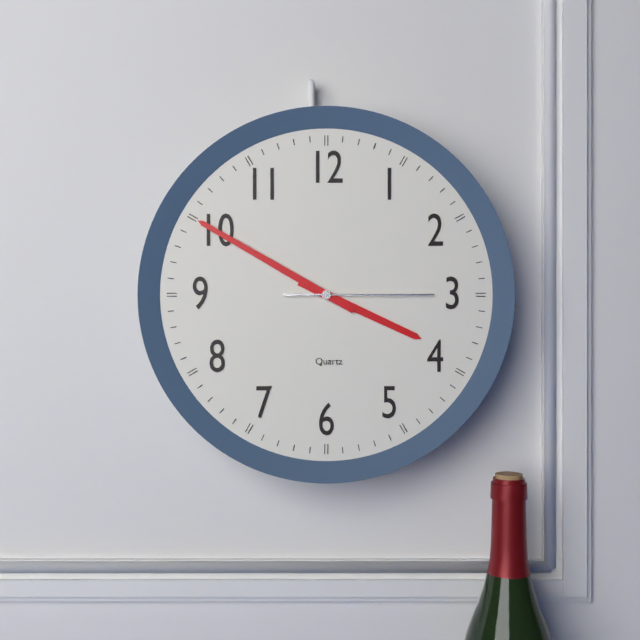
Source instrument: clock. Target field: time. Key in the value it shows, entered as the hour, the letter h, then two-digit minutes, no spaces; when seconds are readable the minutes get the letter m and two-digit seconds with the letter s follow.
3h50m15s
